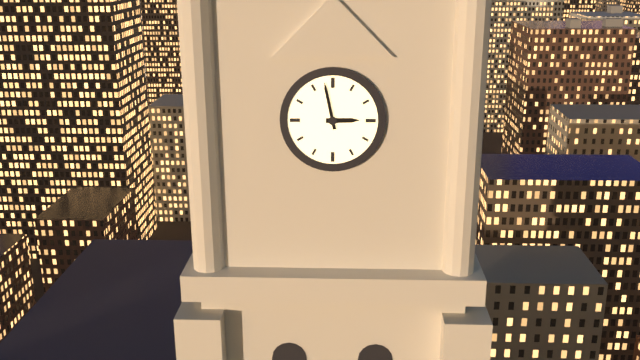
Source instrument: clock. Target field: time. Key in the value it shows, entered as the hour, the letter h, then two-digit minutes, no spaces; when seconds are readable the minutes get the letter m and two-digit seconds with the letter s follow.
2h58
